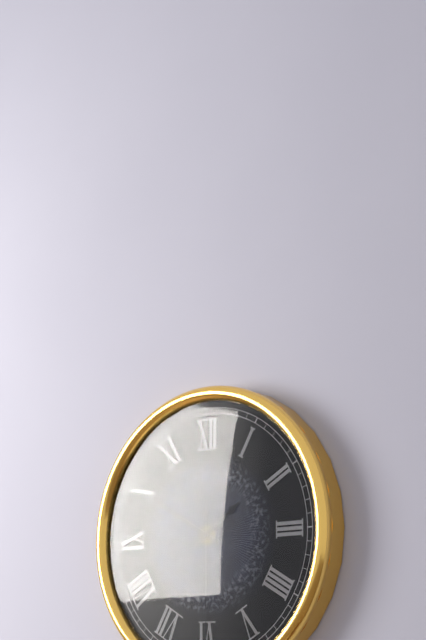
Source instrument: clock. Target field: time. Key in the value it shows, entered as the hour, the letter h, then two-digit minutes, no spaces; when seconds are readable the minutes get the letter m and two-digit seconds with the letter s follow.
1h50
